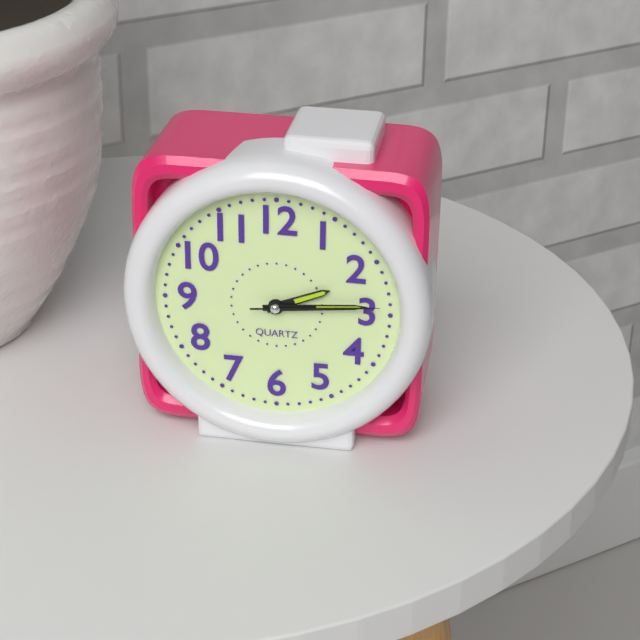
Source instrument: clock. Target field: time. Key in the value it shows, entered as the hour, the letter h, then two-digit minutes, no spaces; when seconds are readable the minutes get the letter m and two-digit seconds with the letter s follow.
2h14m14s
